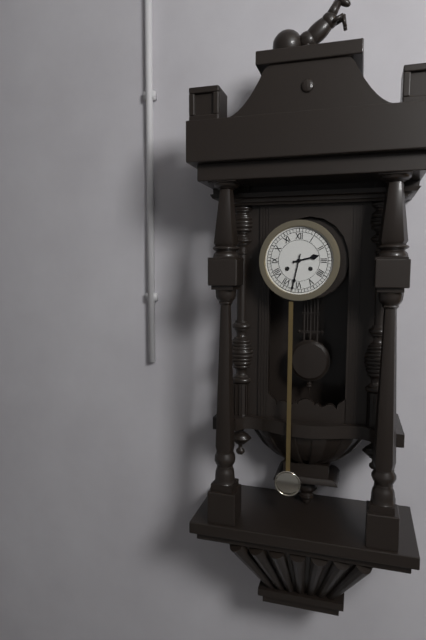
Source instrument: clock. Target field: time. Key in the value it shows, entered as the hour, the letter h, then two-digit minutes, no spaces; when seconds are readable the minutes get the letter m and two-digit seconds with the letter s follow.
2h32
